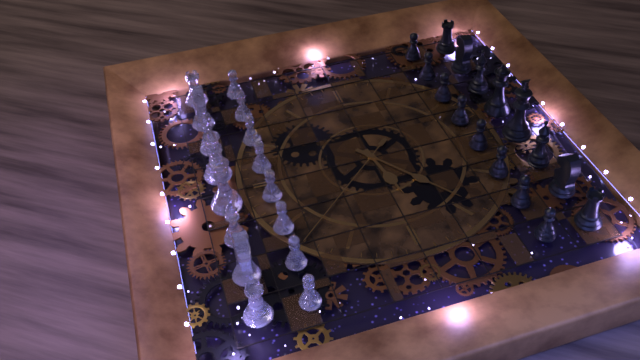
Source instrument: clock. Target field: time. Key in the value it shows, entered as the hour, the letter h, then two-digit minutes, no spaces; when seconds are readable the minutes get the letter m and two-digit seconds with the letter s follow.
8h39m53s
